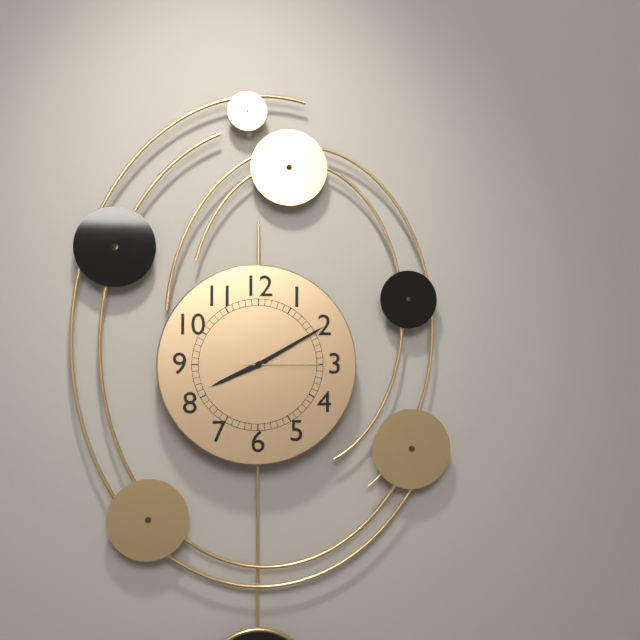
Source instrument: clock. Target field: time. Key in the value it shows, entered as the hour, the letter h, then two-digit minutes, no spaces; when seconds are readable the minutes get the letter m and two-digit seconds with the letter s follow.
8h10m15s
